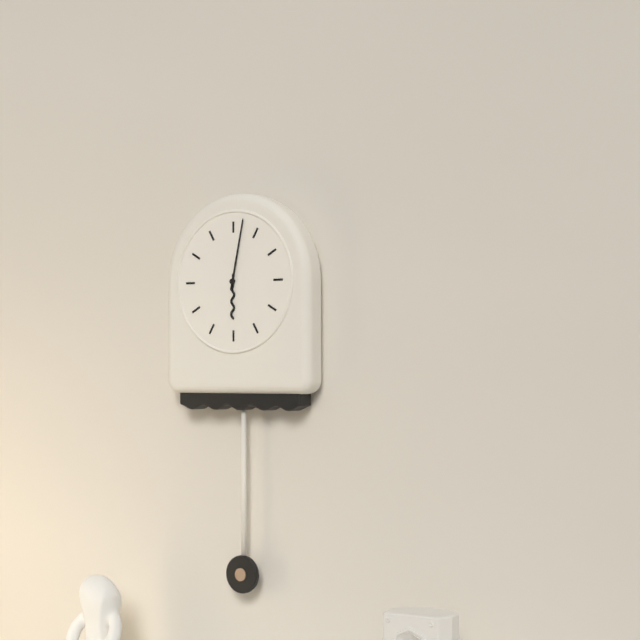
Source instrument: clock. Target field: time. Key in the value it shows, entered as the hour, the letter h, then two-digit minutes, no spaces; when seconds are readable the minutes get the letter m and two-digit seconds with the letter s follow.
6h02
